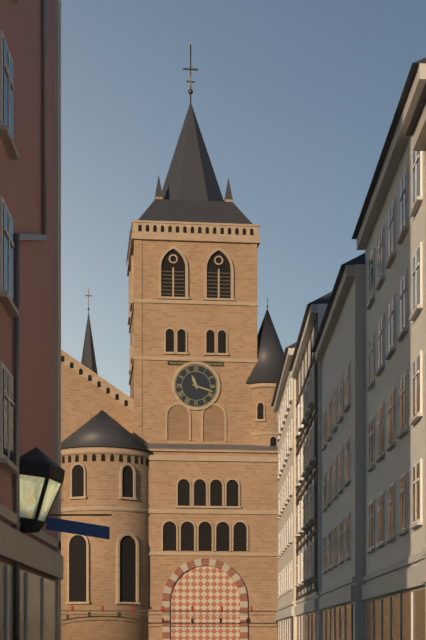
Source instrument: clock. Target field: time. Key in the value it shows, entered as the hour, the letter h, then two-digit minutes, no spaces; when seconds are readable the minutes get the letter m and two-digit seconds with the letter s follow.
11h18
